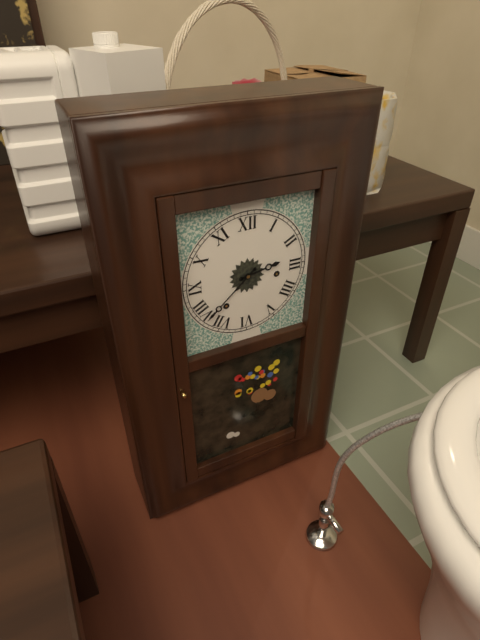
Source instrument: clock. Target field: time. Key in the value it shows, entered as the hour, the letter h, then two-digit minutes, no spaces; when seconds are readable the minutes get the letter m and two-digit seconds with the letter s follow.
2h38
